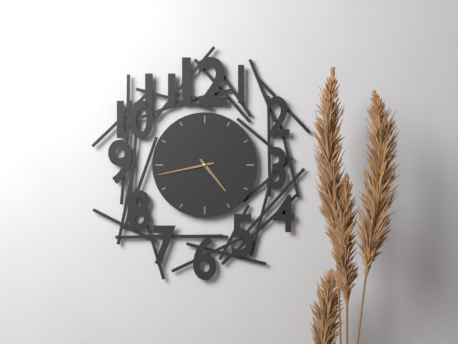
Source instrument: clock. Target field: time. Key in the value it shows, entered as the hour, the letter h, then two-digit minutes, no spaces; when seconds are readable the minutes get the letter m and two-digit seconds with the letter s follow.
4h43
